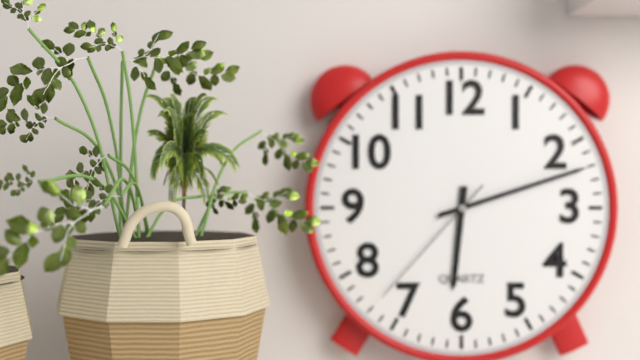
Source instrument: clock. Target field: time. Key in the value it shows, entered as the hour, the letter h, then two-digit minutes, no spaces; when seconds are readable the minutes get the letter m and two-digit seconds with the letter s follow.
6h12m37s
